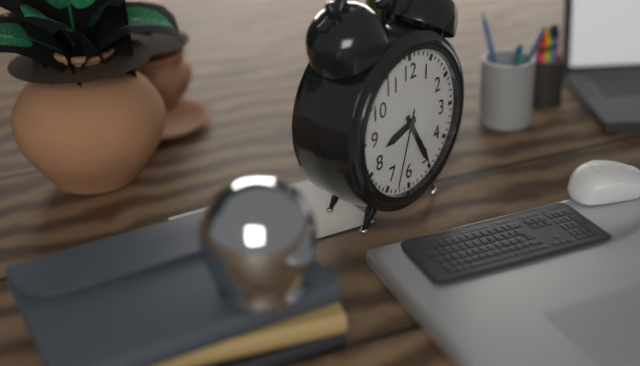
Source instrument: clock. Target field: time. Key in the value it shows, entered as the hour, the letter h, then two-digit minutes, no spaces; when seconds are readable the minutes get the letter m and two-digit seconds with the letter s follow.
8h25m33s
